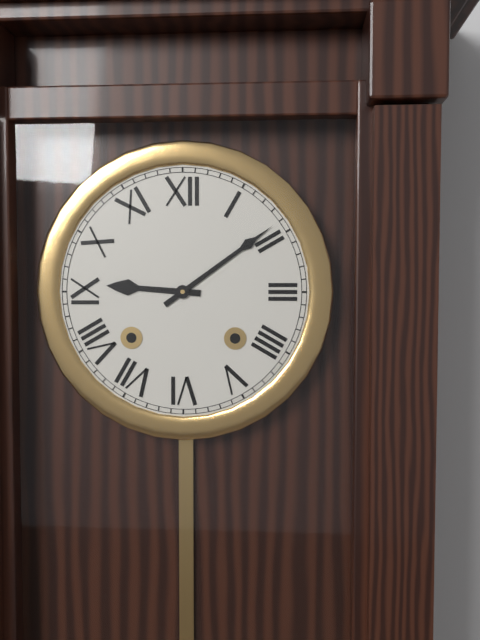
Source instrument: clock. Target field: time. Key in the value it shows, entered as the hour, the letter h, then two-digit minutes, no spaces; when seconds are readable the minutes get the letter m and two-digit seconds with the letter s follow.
9h09
